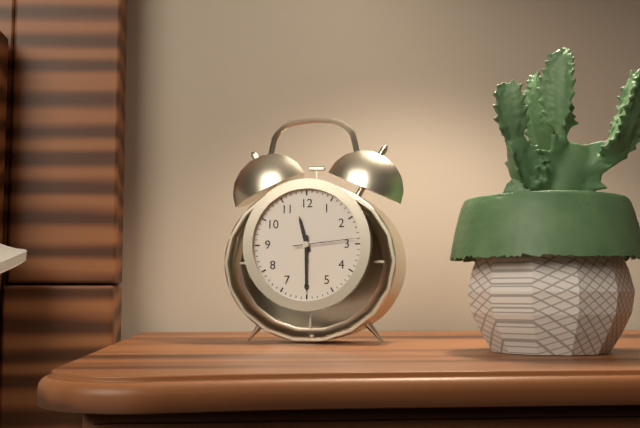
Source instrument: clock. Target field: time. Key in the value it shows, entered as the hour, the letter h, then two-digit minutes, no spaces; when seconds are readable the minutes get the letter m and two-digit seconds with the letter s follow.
11h30m14s
